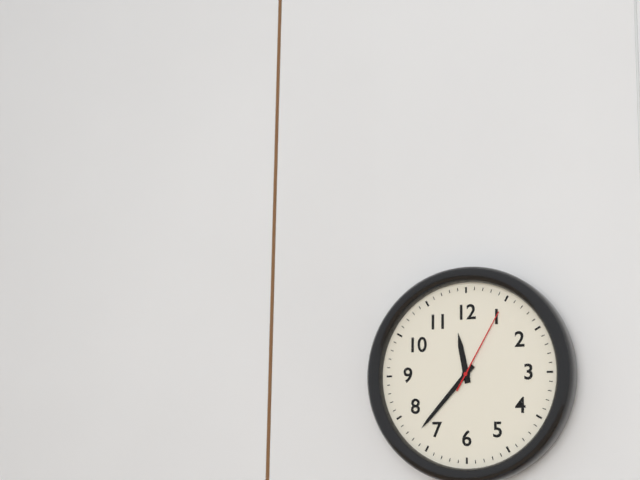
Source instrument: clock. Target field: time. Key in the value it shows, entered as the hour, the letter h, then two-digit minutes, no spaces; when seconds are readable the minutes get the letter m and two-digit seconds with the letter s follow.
11h37m05s
